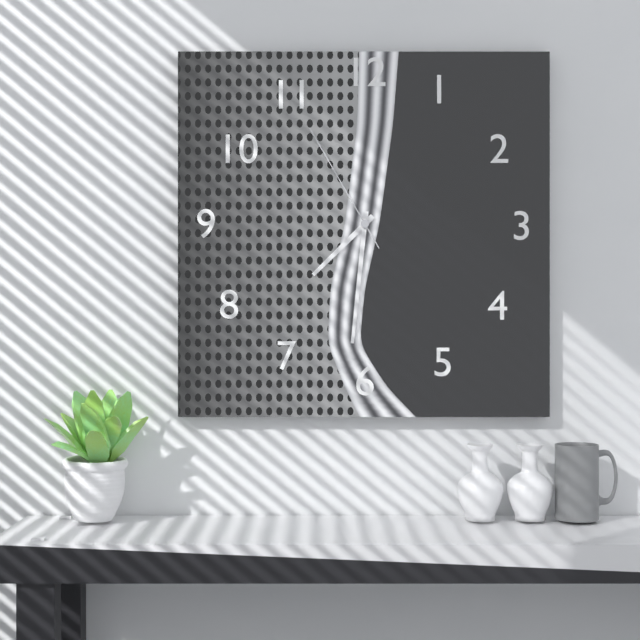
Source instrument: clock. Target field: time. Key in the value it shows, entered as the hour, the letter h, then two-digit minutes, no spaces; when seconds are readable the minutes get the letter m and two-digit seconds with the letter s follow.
7h31m55s
